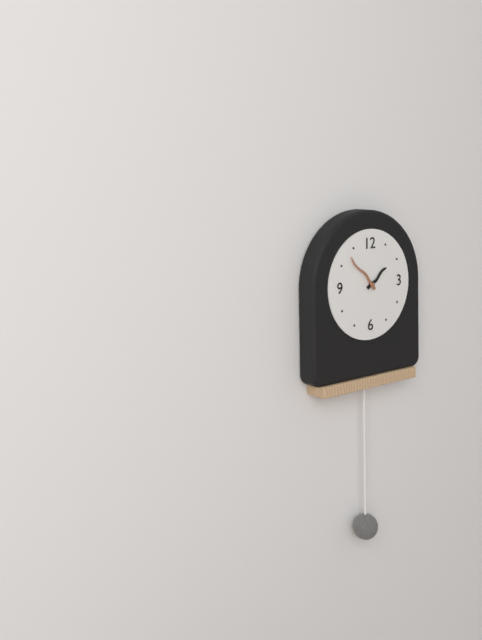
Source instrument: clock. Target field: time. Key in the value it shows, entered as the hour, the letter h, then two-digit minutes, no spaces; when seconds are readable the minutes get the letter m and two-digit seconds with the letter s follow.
1h53
